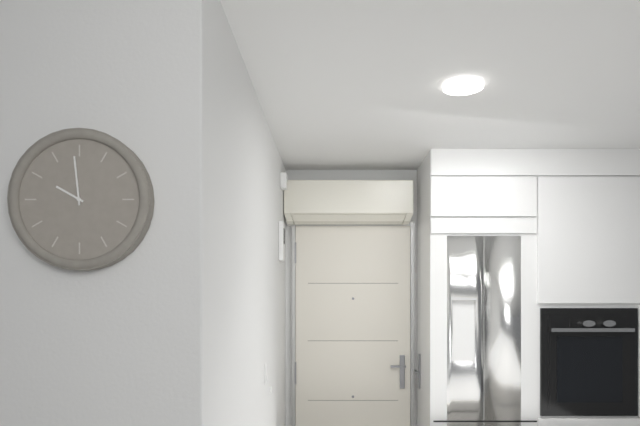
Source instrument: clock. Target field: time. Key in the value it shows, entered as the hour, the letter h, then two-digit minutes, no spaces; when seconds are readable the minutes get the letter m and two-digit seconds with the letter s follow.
9h59
